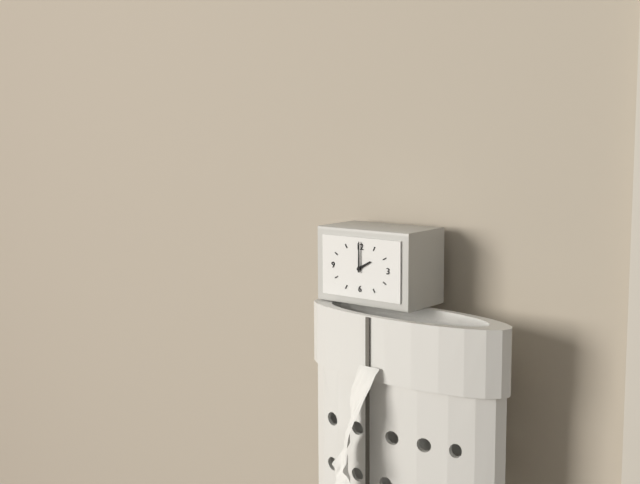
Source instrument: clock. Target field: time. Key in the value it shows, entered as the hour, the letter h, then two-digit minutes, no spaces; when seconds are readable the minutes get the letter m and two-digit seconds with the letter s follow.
2h00
